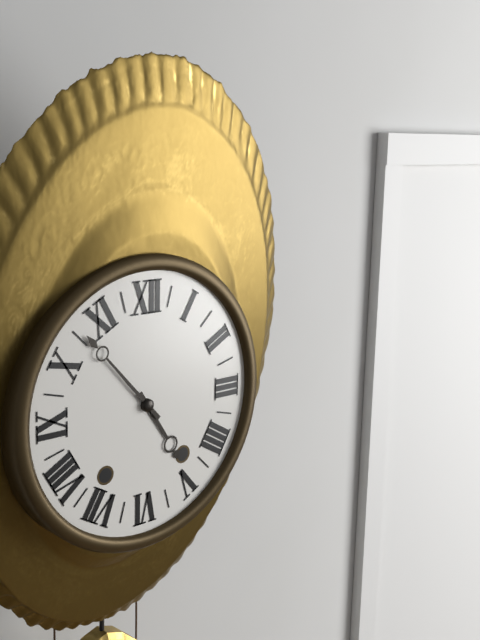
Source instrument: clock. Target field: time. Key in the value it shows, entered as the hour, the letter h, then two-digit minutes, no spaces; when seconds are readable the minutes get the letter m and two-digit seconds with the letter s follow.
4h53
